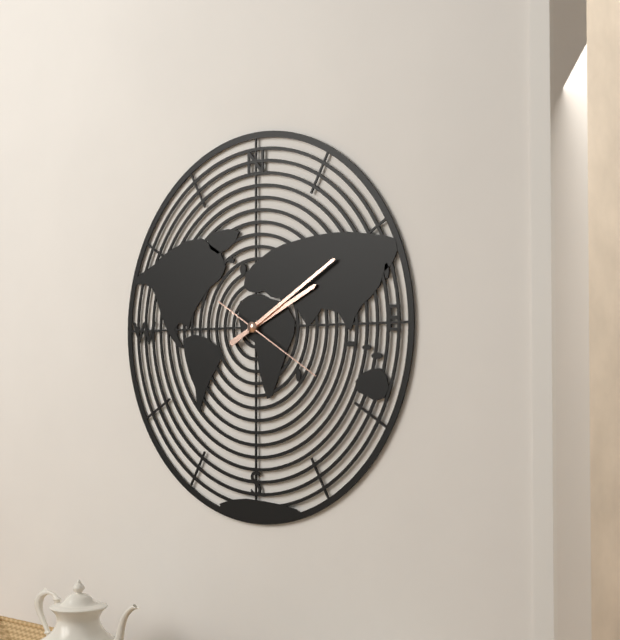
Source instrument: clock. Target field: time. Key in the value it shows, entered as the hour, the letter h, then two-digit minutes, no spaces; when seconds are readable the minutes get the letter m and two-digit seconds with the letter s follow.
2h10m20s
